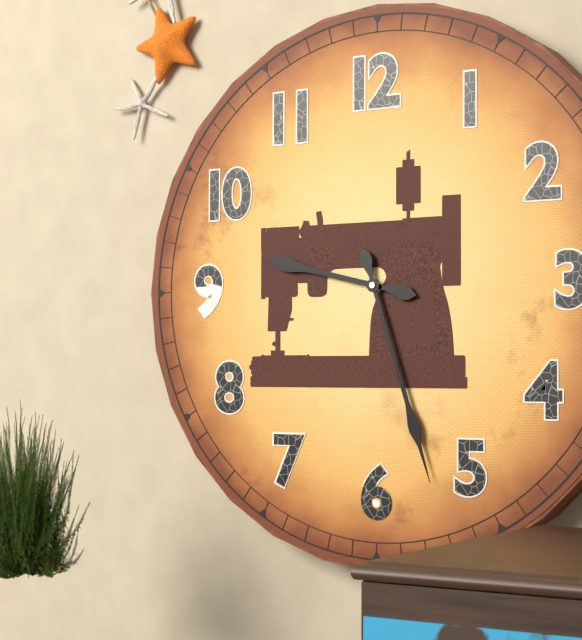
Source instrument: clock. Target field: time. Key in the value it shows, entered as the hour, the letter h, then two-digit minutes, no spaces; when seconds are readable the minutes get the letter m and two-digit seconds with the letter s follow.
9h27
